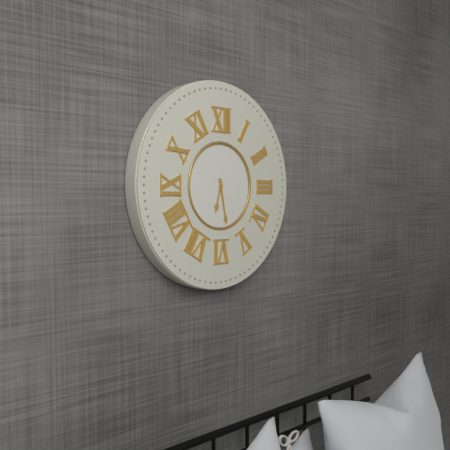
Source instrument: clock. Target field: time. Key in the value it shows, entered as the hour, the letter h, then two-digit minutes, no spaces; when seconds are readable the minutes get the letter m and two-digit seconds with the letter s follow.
6h28
